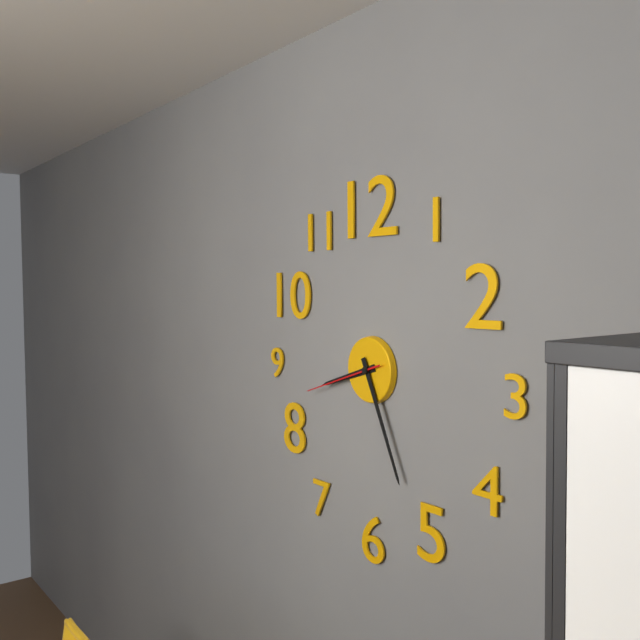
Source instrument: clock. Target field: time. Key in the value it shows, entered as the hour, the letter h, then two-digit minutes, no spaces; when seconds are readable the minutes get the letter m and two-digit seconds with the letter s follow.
8h26m42s
